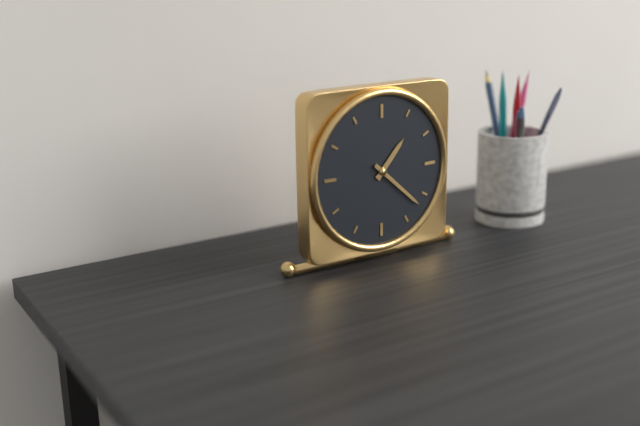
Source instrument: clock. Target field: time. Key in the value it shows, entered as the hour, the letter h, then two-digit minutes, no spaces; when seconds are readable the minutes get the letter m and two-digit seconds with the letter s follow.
1h22
